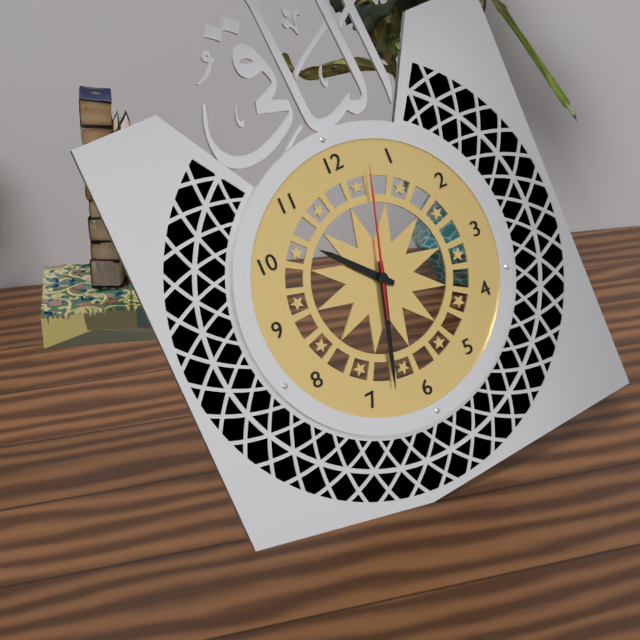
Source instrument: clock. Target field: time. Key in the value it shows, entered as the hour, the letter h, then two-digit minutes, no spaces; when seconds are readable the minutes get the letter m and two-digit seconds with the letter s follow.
10h33m03s
